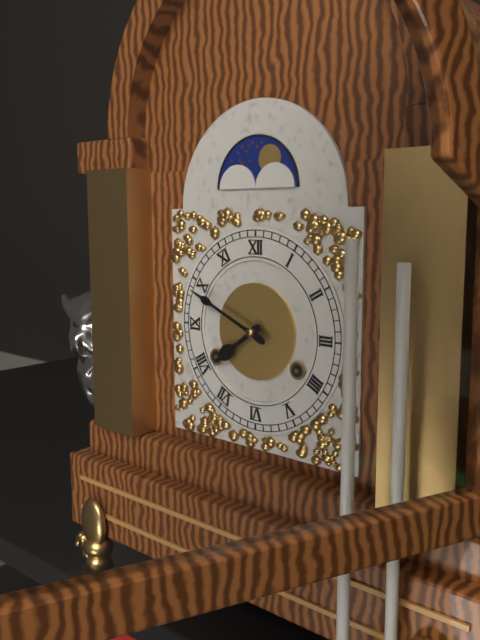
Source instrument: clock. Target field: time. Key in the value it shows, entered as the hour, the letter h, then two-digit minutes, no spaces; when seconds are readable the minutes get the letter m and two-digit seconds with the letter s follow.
7h49
